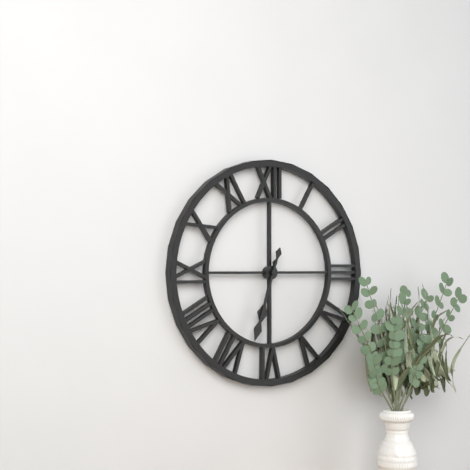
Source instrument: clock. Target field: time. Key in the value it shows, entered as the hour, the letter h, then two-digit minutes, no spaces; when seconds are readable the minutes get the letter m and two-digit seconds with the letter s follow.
6h33
